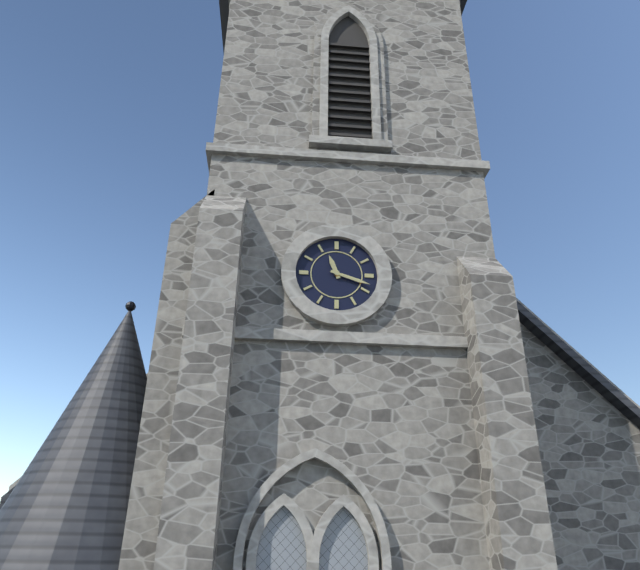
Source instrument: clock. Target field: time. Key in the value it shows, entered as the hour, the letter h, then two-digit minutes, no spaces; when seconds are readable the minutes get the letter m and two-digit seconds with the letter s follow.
11h18
